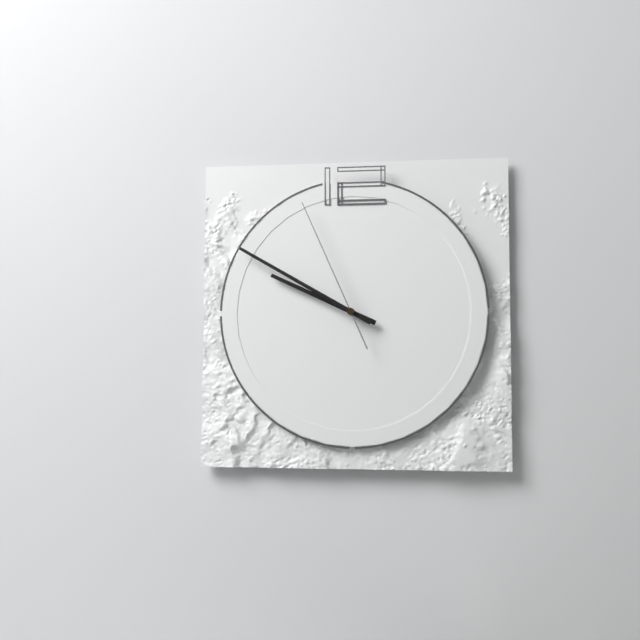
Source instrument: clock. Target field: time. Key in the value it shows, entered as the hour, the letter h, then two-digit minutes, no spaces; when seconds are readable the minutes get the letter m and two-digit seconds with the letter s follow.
9h50m56s
